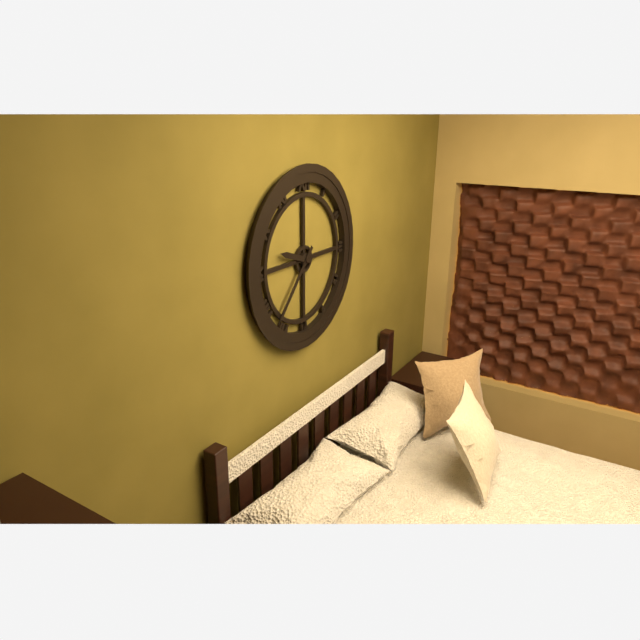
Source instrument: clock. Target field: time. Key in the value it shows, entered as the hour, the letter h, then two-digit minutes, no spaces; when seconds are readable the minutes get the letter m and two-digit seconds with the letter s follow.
9h37
